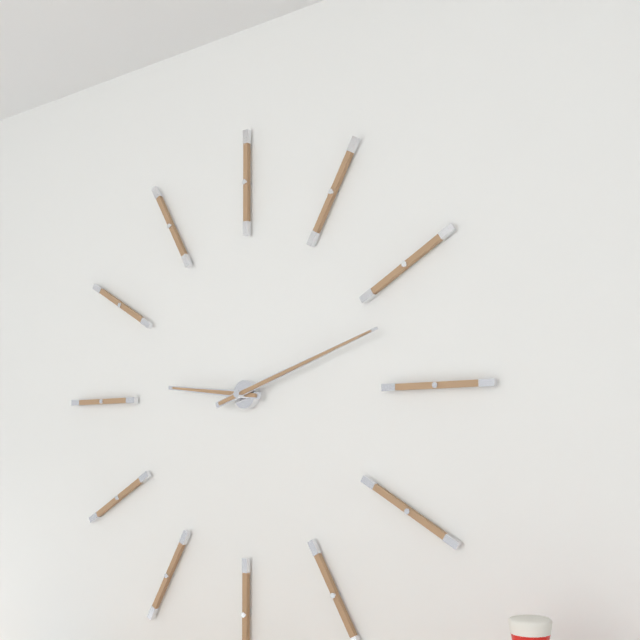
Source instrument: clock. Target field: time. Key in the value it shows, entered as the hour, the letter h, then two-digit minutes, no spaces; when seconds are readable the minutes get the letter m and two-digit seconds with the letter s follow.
9h12
